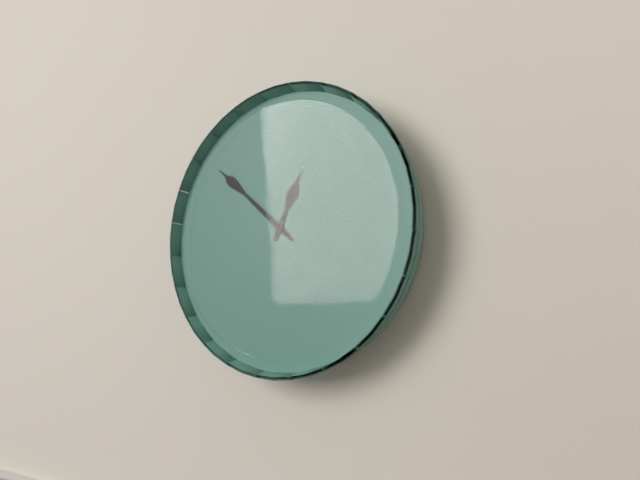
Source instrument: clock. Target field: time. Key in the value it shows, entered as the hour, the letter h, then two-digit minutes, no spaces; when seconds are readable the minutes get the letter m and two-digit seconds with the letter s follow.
12h52
